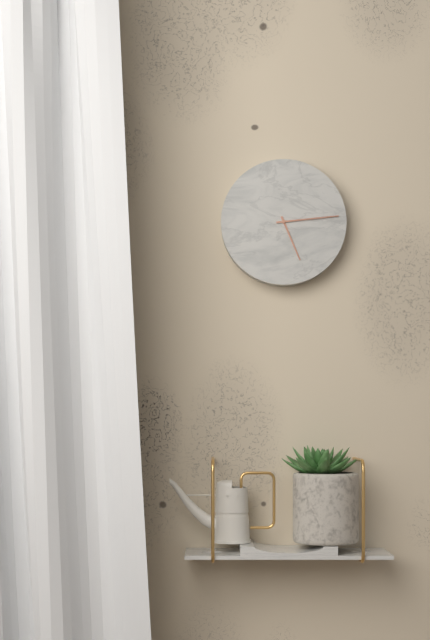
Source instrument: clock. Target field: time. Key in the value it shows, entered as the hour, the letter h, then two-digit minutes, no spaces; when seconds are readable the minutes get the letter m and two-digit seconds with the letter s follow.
5h14
